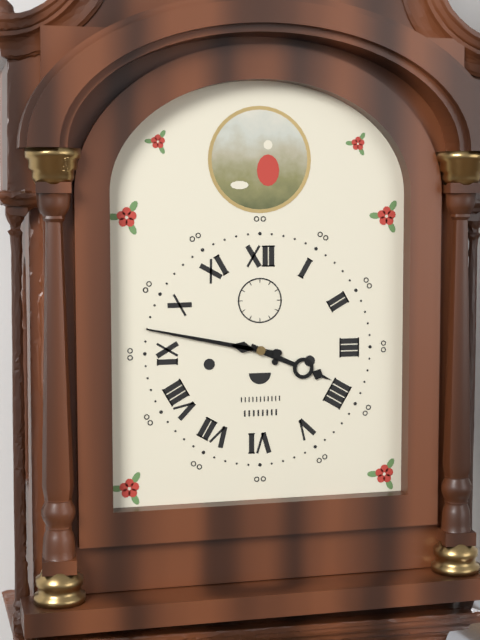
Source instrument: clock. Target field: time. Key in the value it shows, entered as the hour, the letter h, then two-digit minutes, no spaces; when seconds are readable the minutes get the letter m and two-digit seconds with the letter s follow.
3h47
